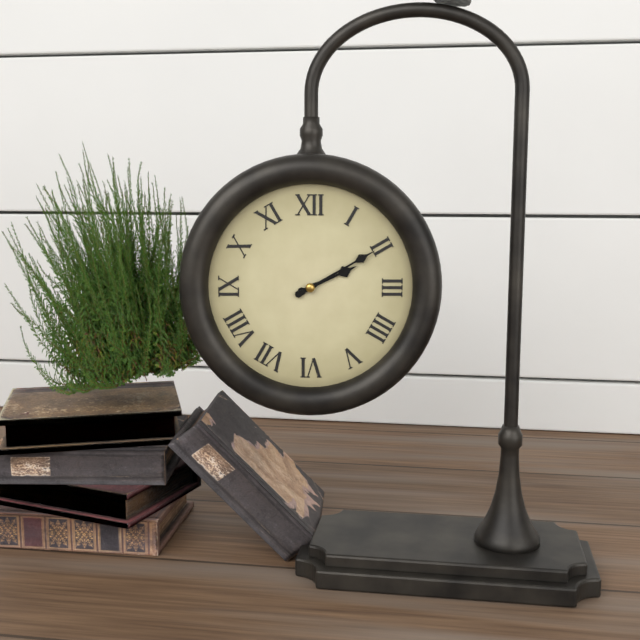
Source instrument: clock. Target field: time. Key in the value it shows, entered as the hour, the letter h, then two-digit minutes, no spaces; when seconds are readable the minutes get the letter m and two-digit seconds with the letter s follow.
2h10
